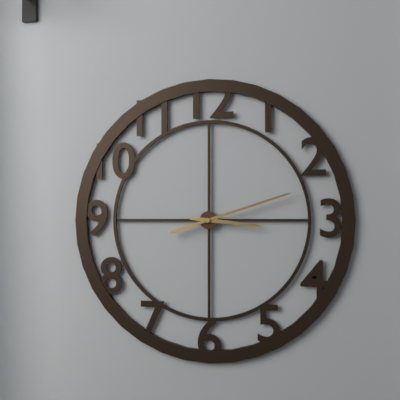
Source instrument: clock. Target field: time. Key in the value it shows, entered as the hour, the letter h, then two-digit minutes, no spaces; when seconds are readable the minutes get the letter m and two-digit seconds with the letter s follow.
3h12
